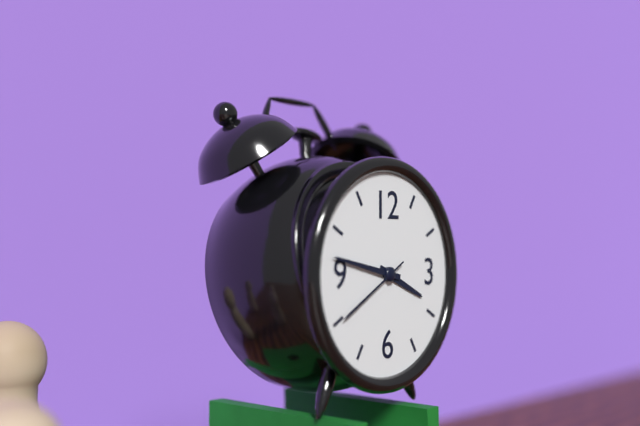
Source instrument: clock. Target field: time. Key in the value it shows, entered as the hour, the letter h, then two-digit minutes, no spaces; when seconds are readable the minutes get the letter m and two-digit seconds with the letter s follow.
3h47m40s
